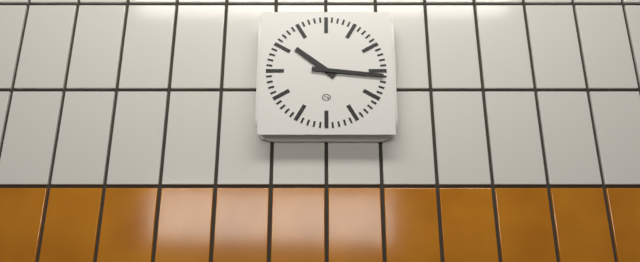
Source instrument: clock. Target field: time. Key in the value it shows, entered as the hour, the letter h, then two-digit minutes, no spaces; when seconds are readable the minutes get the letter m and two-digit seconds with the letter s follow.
10h16
